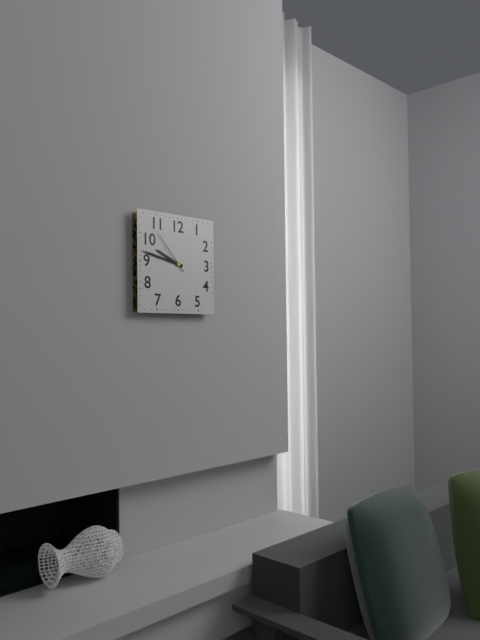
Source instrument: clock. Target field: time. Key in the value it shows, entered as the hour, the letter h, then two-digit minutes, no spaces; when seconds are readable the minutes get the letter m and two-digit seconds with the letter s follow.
9h47
